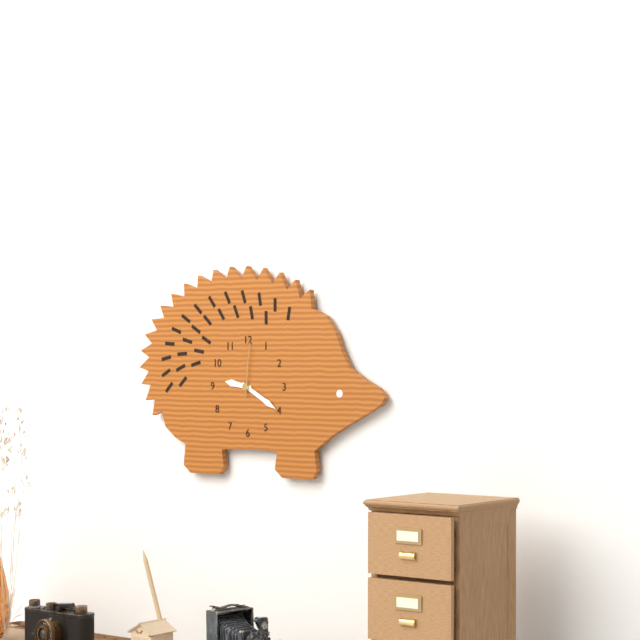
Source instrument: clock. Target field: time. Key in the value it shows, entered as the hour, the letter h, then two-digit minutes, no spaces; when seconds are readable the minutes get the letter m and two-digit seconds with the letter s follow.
9h20m01s
